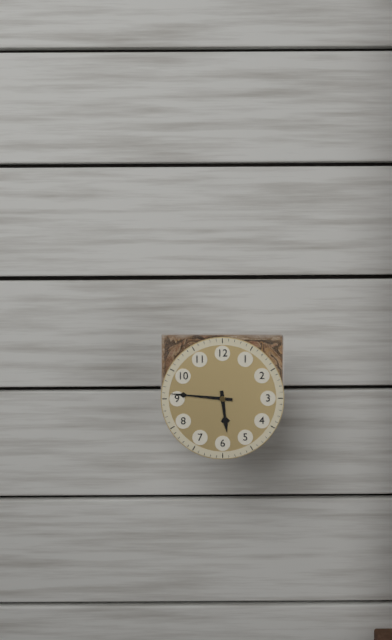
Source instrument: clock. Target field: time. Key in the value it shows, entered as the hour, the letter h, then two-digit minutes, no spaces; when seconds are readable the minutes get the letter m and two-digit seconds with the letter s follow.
5h46
